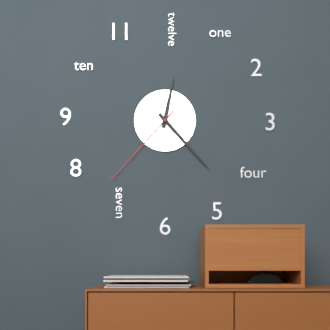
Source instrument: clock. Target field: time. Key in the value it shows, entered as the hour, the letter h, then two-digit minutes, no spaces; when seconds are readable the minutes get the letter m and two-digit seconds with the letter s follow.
12h23m37s
